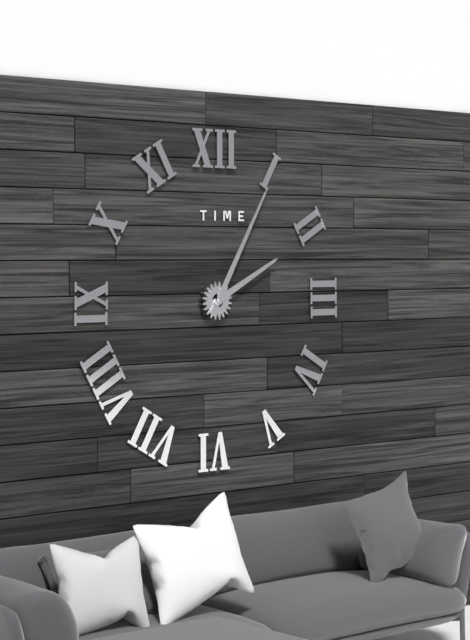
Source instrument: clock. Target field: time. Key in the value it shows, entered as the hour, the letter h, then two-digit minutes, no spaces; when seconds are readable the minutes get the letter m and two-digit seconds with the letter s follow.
2h05
